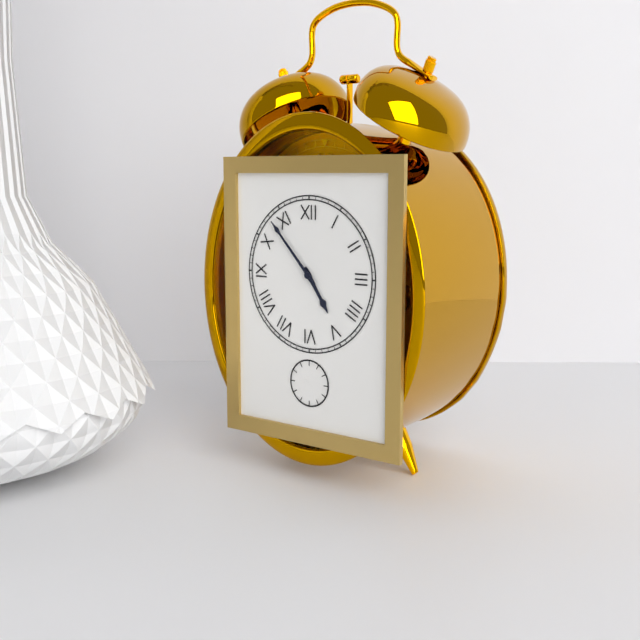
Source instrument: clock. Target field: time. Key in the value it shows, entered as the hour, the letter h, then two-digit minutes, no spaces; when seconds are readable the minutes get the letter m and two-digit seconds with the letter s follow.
4h53
